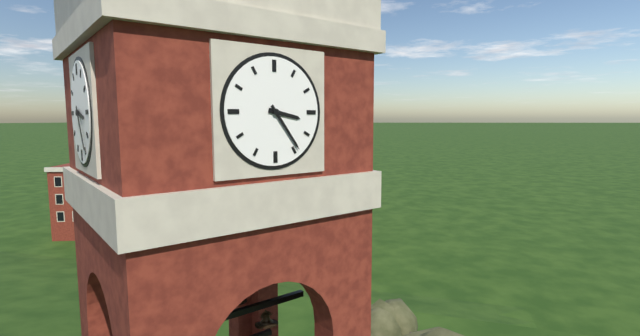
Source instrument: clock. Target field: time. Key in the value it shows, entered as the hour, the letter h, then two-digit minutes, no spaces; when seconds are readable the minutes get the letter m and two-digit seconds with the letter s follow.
3h24
